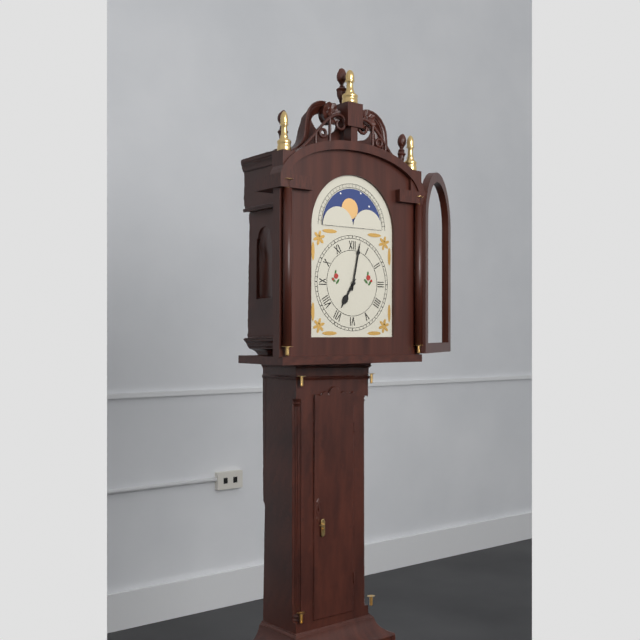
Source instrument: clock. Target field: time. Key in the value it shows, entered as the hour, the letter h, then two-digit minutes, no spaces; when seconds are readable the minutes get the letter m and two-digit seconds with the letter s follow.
7h02
